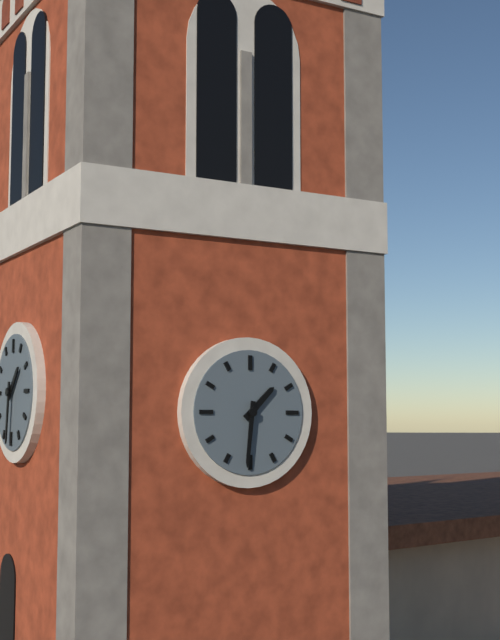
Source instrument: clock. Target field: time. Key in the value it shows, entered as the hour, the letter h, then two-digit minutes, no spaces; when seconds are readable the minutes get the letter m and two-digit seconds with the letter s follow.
1h31
